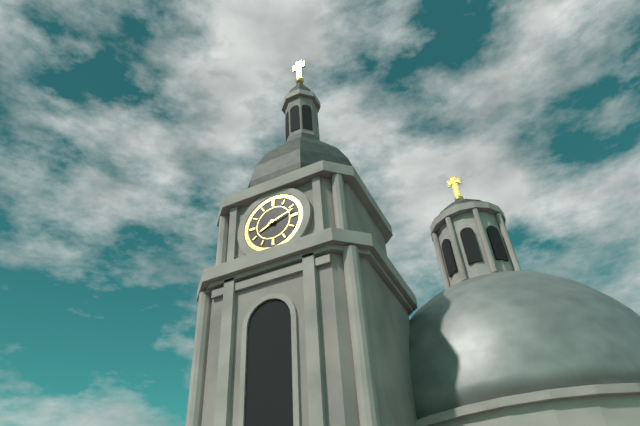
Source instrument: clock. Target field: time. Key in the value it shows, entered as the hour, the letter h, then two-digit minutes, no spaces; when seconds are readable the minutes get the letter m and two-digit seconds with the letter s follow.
8h12
